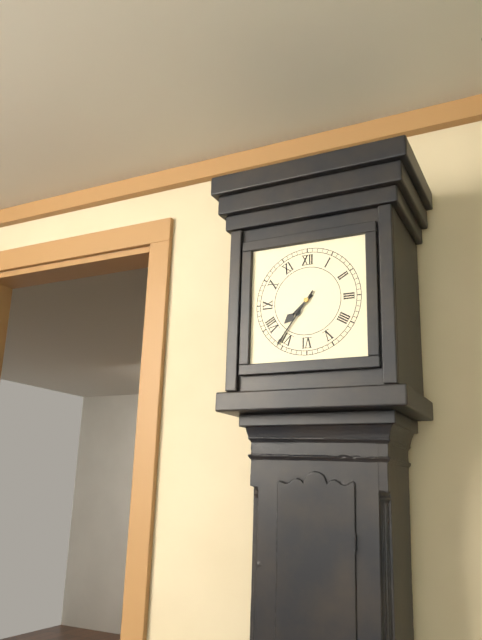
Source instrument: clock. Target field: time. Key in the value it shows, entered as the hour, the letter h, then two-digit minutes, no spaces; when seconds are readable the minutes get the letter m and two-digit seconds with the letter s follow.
7h36
